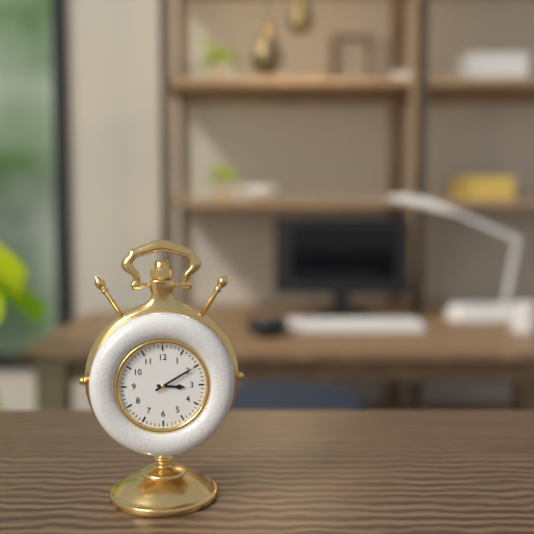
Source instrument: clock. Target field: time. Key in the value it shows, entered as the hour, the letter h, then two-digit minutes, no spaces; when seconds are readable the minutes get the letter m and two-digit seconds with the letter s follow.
3h10
